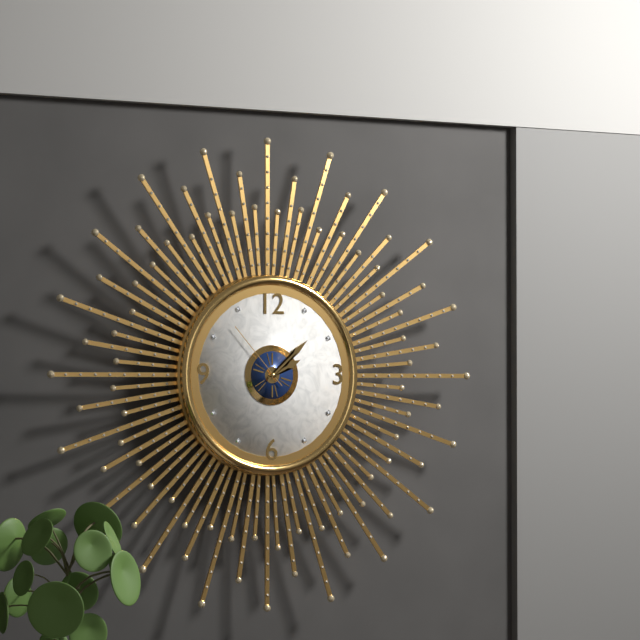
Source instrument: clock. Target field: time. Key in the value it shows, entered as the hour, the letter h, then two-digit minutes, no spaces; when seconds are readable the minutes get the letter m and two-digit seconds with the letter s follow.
2h08m53s
